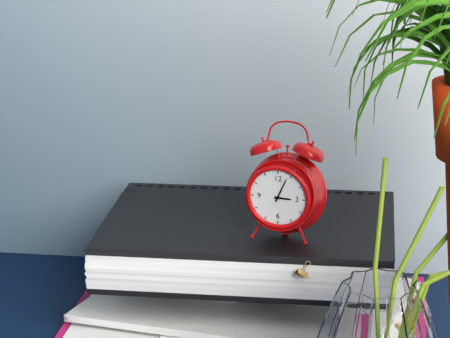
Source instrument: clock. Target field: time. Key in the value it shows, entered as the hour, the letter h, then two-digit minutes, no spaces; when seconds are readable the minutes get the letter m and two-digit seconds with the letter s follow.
3h04
